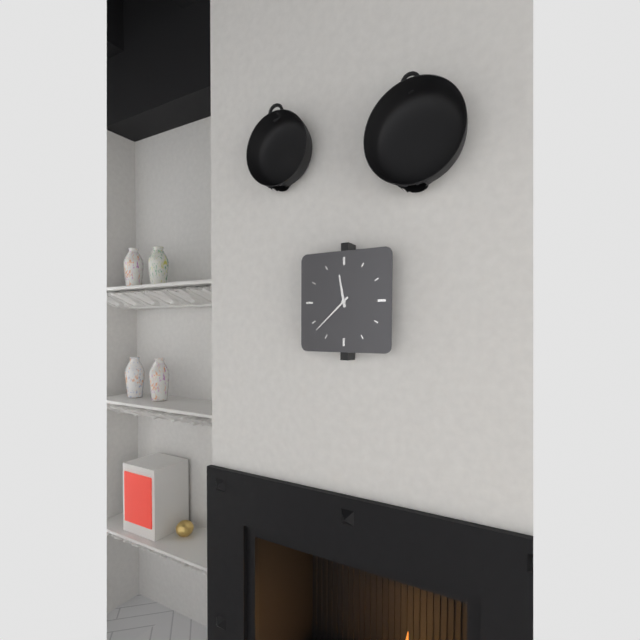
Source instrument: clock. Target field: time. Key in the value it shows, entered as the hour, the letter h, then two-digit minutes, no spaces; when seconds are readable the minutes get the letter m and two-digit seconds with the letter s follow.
11h38
